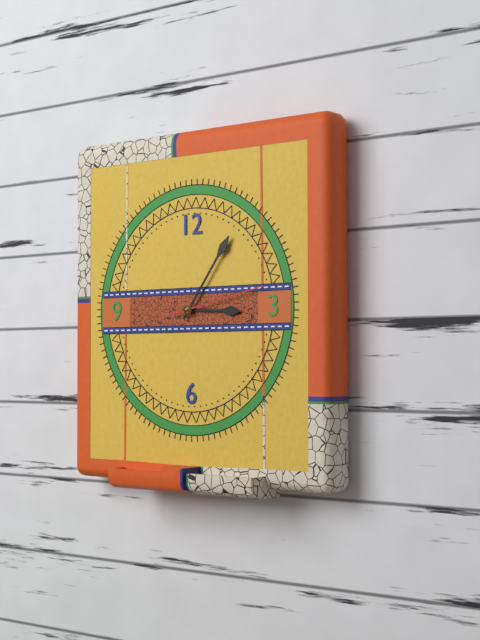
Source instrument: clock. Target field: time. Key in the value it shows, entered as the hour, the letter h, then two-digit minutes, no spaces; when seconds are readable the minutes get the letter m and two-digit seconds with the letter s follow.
3h06m13s
